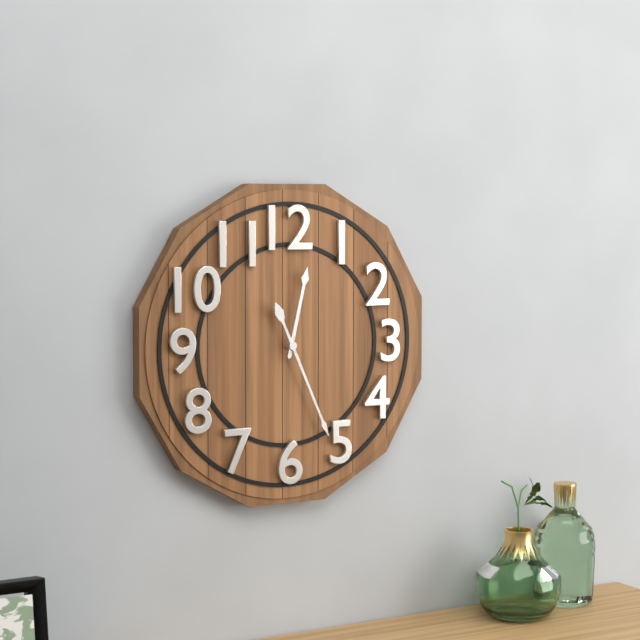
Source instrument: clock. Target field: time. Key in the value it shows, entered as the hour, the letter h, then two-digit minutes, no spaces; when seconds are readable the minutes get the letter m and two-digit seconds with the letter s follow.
12h26
